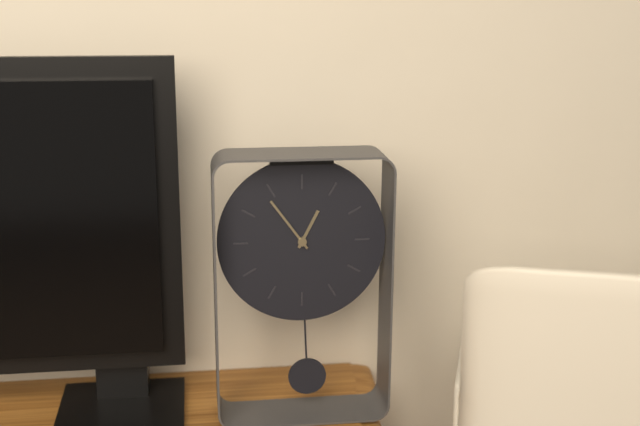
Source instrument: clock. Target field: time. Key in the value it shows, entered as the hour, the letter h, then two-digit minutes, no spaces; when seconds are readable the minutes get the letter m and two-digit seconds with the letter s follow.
12h54
